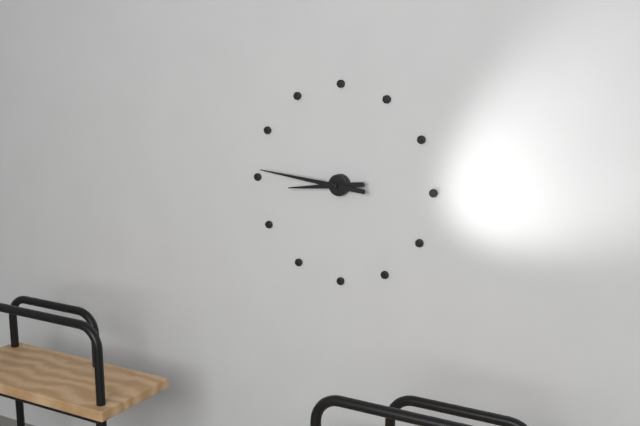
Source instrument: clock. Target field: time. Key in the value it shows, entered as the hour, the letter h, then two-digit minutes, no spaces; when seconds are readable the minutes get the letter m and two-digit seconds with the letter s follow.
8h46
